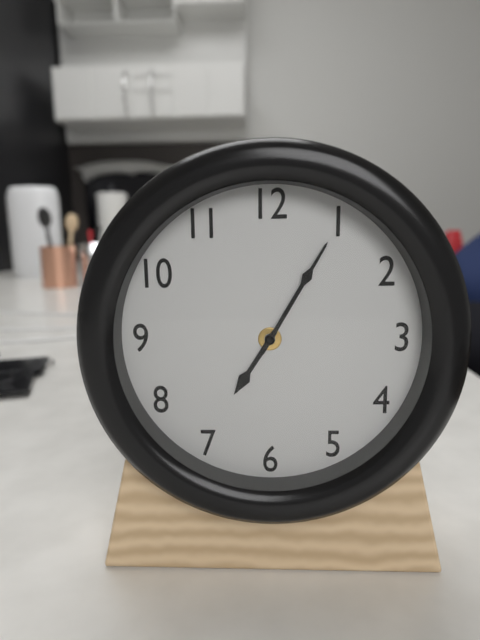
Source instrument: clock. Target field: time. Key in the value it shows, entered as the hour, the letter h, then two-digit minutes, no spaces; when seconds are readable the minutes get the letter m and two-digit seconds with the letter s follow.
7h05
